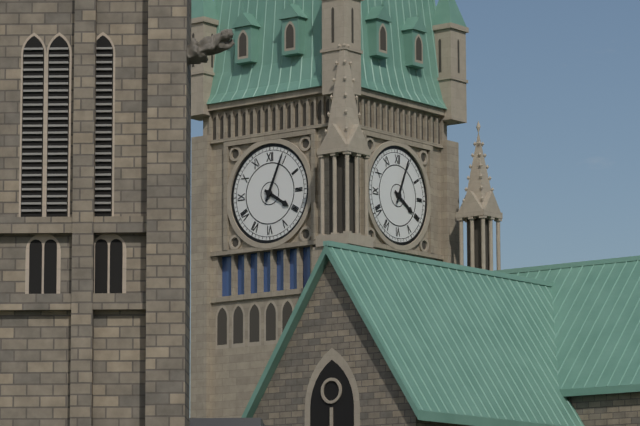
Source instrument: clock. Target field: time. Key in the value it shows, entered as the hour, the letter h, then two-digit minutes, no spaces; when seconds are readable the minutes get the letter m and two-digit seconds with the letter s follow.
4h04
